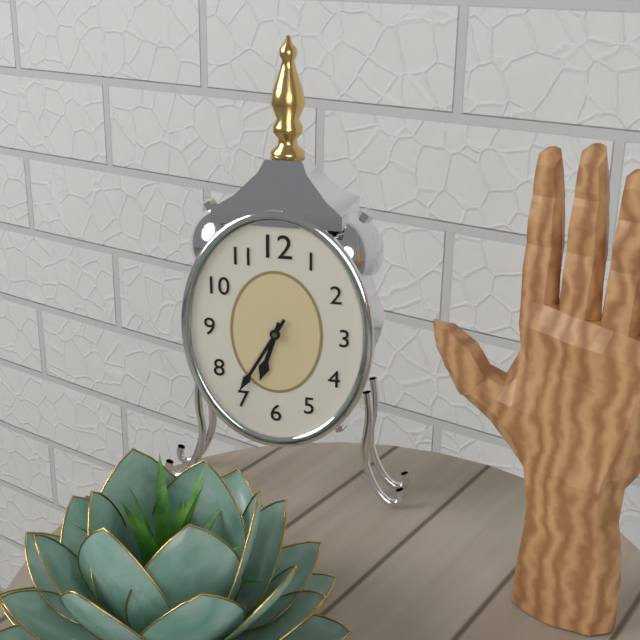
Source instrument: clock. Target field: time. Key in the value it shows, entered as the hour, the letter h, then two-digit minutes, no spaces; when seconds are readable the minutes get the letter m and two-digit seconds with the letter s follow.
6h35
